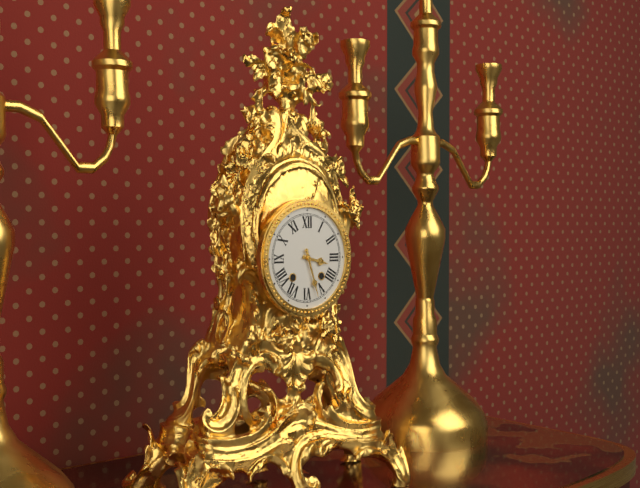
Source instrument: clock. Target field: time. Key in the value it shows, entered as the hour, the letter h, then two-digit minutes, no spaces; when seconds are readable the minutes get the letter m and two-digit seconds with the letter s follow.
3h27
